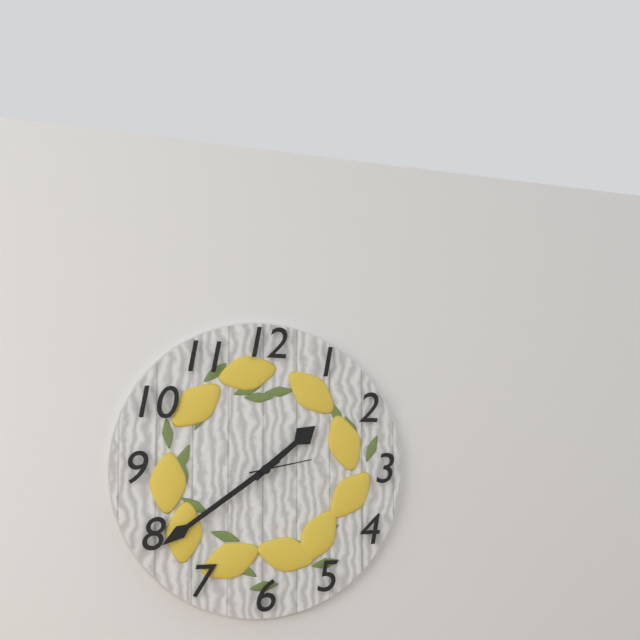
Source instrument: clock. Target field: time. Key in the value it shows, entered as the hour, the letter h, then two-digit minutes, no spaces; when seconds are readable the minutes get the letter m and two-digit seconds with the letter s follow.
1h39m13s
